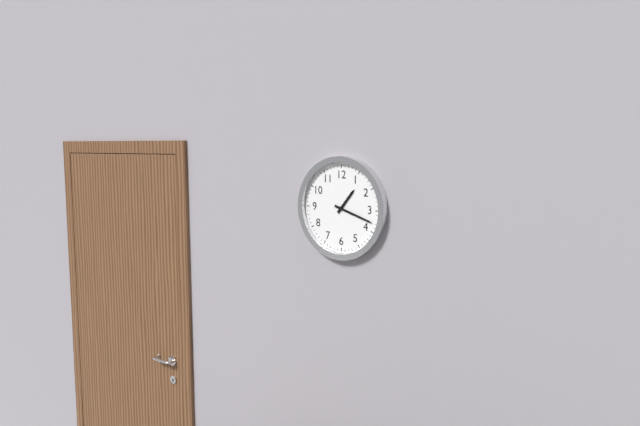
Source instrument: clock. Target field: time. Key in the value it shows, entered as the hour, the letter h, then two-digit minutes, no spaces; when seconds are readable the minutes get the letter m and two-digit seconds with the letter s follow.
1h18
